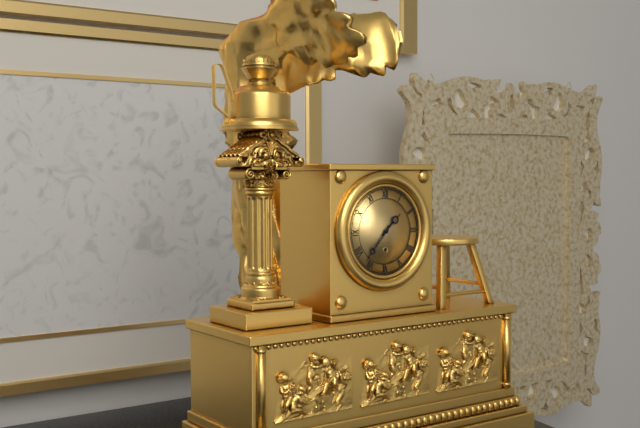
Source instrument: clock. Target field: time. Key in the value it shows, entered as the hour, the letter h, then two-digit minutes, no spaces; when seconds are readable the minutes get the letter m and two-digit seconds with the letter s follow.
1h37
